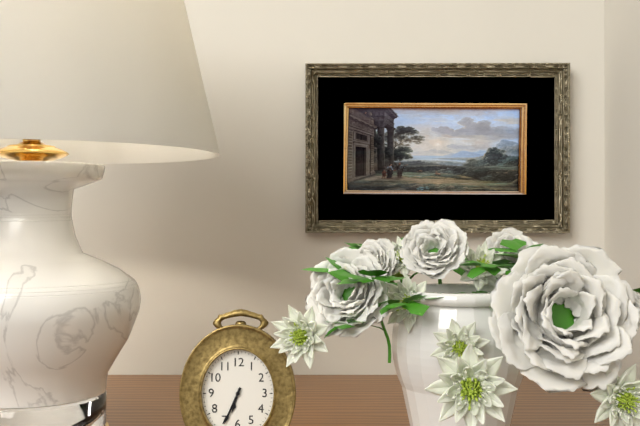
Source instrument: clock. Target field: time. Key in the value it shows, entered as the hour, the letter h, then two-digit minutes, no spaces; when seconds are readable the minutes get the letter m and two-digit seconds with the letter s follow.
6h34
